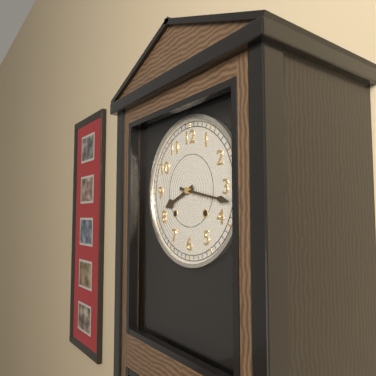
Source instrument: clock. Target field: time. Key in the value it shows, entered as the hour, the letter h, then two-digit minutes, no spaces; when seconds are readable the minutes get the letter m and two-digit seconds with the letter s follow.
8h17
